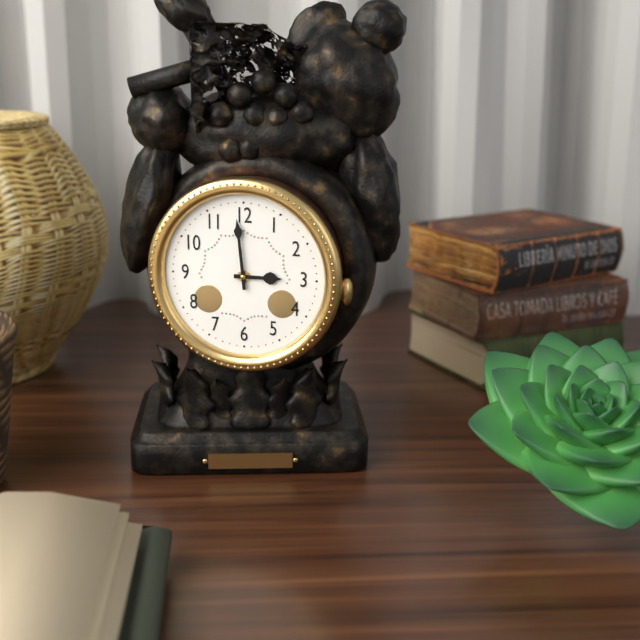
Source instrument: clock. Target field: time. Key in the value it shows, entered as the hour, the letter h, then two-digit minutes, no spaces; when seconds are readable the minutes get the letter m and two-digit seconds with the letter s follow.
2h59
